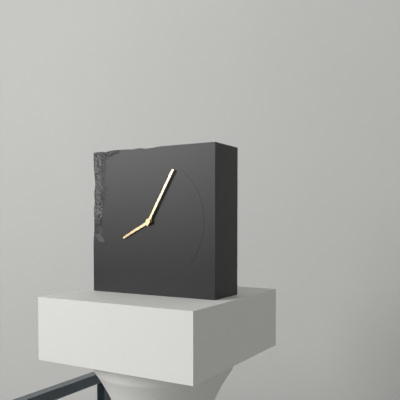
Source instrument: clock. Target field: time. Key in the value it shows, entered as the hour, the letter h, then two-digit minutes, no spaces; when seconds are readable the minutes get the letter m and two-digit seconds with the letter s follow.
8h05
